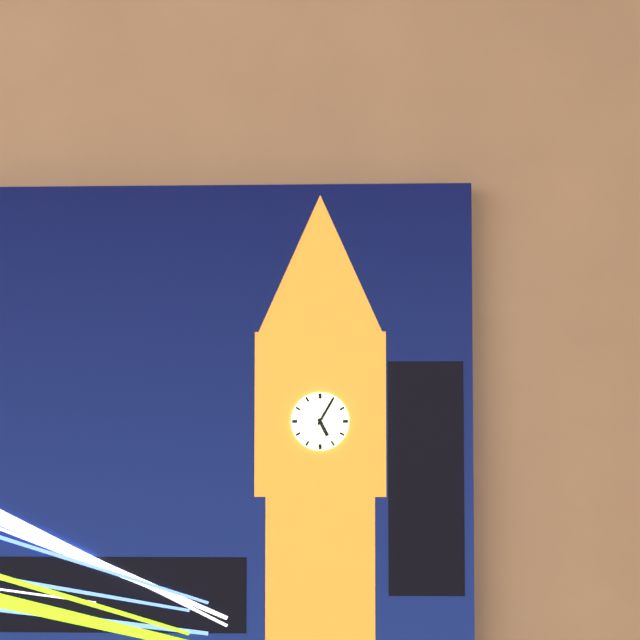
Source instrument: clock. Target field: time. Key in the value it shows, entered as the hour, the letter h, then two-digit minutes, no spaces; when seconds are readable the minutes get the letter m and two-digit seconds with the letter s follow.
5h05
